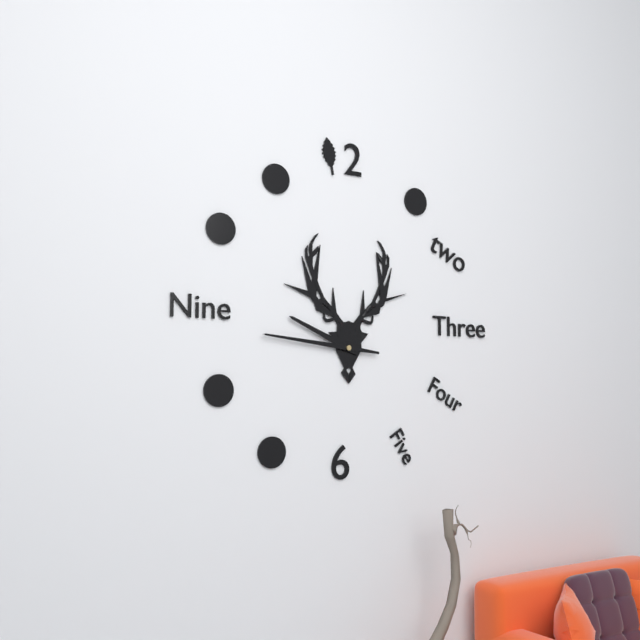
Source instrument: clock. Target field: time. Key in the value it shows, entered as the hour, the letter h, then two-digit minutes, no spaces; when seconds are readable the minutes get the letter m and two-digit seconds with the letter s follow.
9h46
